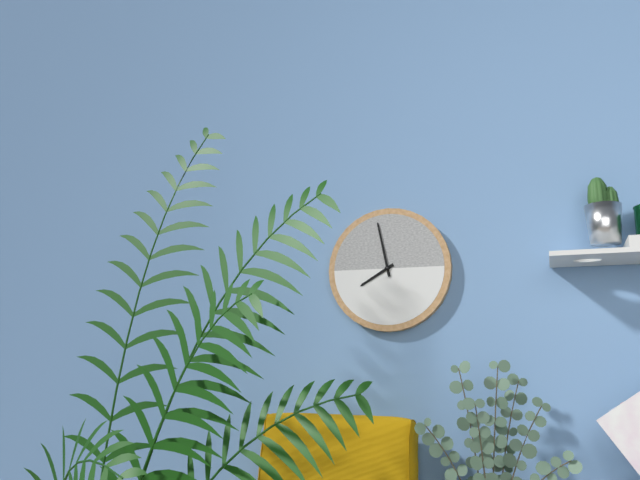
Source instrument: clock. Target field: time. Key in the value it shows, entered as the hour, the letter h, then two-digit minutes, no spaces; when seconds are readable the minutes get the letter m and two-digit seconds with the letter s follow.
7h58
